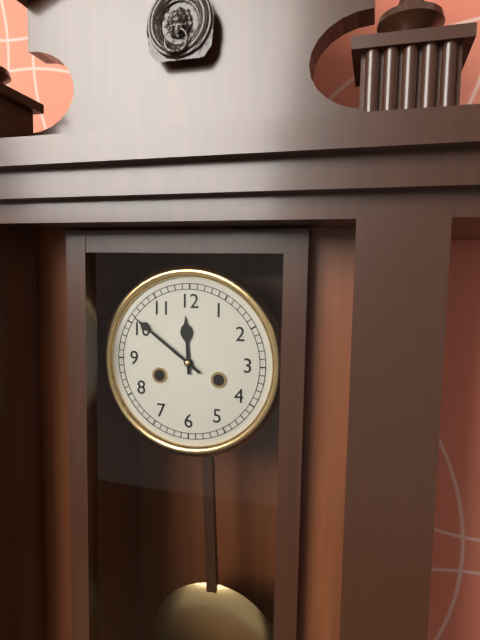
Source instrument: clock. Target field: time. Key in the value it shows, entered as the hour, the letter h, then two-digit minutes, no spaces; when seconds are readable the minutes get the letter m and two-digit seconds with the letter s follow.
11h51
